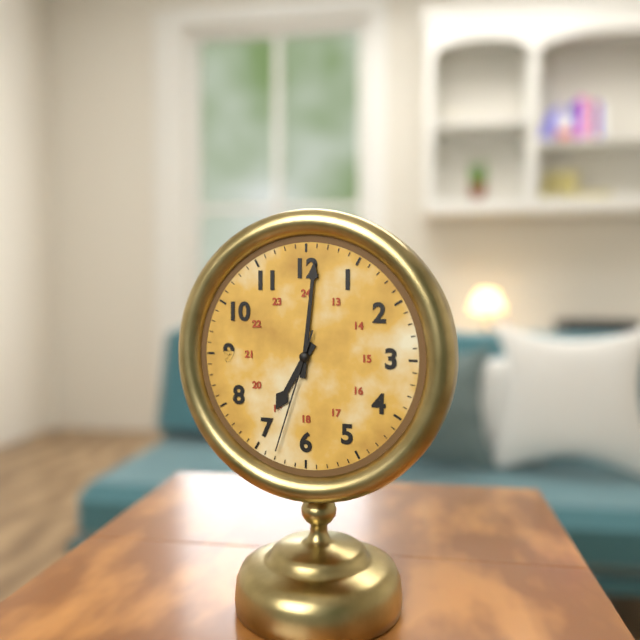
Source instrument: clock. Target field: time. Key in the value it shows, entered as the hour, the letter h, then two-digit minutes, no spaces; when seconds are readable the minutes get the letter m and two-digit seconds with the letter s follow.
7h01m33s
